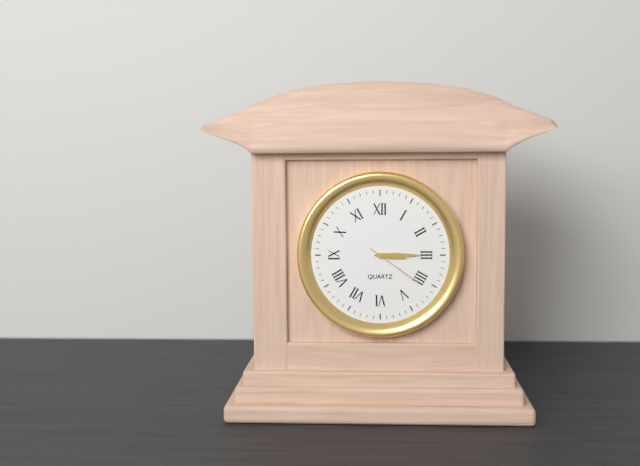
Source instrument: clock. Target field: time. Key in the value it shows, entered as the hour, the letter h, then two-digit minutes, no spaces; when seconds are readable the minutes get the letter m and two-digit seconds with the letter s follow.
3h15m21s
